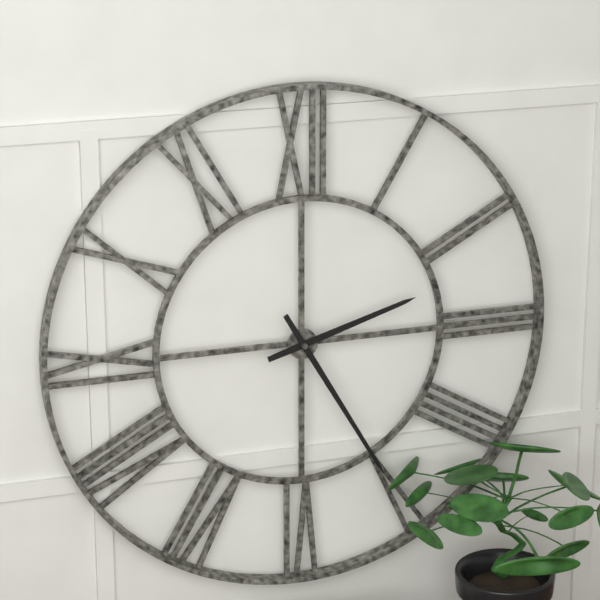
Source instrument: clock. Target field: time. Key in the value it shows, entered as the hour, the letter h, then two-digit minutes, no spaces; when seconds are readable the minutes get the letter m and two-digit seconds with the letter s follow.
2h25
